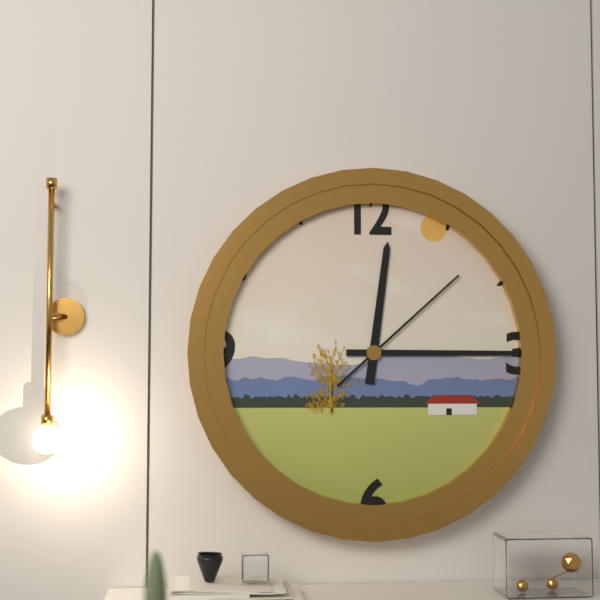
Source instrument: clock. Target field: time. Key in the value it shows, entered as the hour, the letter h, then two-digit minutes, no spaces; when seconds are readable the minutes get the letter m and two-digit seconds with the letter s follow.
12h15m08s
